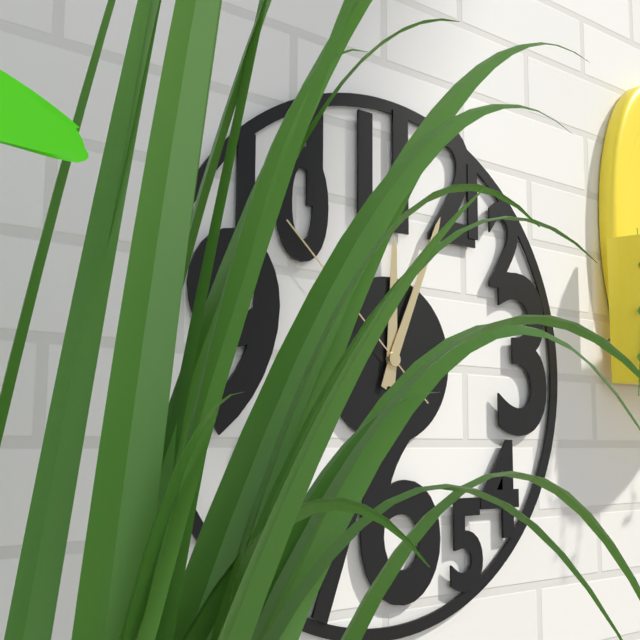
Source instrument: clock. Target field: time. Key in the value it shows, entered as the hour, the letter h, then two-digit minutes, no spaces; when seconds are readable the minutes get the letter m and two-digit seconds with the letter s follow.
12h04m52s
